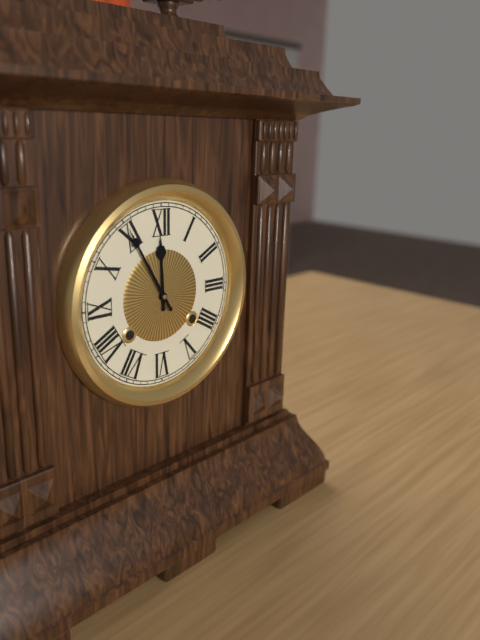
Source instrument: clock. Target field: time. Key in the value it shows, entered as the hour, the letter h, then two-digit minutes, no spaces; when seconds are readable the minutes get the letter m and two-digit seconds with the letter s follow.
11h55
